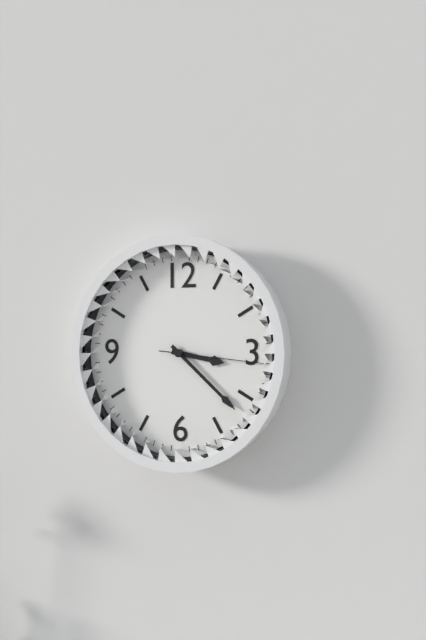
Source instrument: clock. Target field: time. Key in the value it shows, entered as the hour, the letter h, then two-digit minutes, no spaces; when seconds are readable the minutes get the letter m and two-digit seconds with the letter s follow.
3h22m16s
